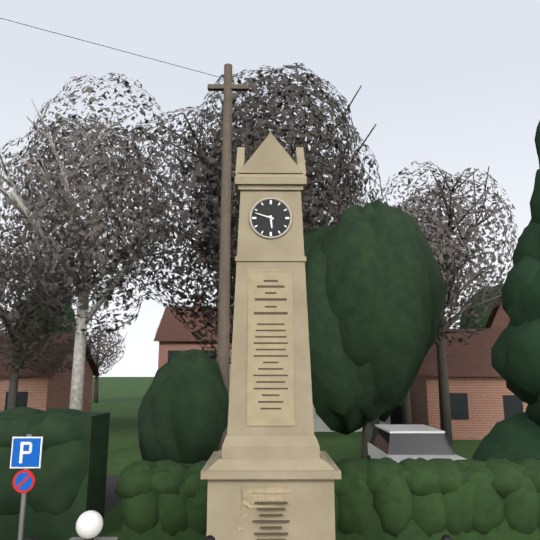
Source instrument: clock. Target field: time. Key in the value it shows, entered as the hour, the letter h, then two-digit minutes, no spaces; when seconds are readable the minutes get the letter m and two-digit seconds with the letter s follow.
5h48
